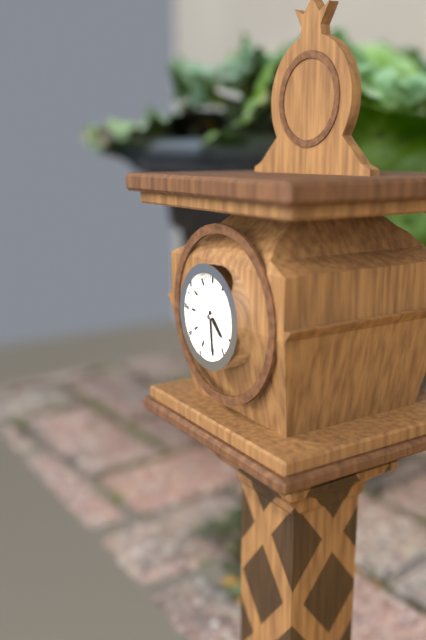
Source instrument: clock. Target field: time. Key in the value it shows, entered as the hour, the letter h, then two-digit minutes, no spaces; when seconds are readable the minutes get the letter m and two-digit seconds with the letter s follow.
4h29
